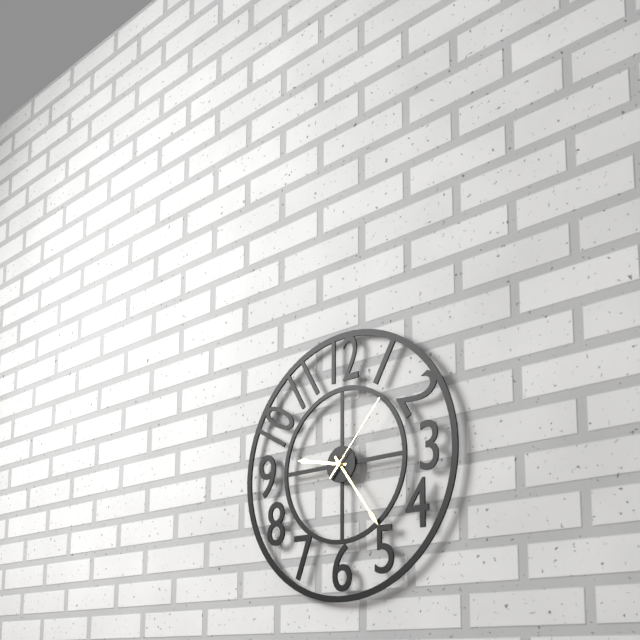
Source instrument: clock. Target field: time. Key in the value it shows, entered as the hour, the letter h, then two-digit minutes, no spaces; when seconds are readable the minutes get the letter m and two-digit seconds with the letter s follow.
9h24m07s
